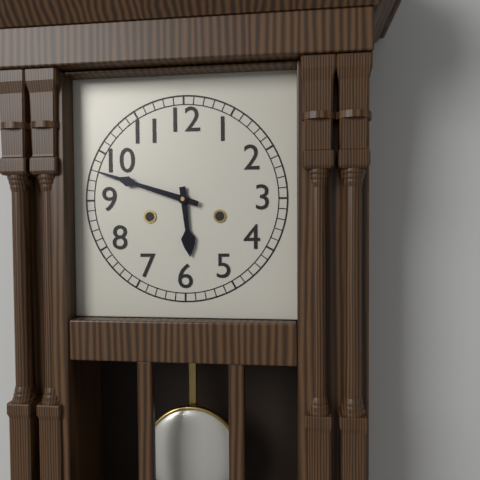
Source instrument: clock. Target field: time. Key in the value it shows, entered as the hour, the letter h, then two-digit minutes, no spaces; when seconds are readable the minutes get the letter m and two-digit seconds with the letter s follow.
5h48
